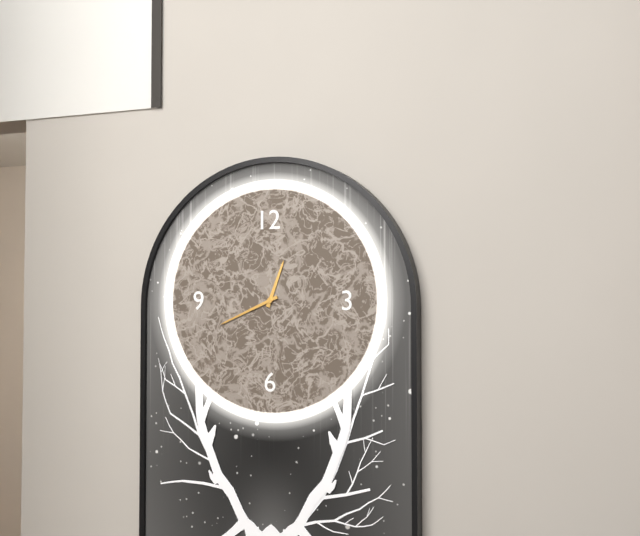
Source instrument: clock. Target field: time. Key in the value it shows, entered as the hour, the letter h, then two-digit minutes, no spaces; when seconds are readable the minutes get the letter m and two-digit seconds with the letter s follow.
12h41
